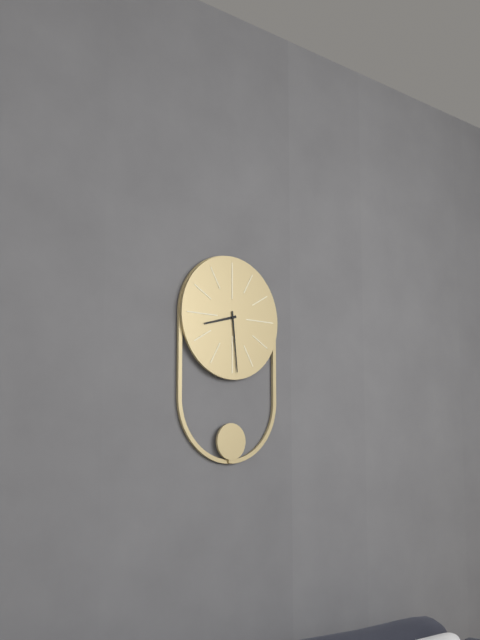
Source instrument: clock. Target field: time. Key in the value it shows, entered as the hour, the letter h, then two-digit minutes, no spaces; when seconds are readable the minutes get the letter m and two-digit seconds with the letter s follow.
8h29
